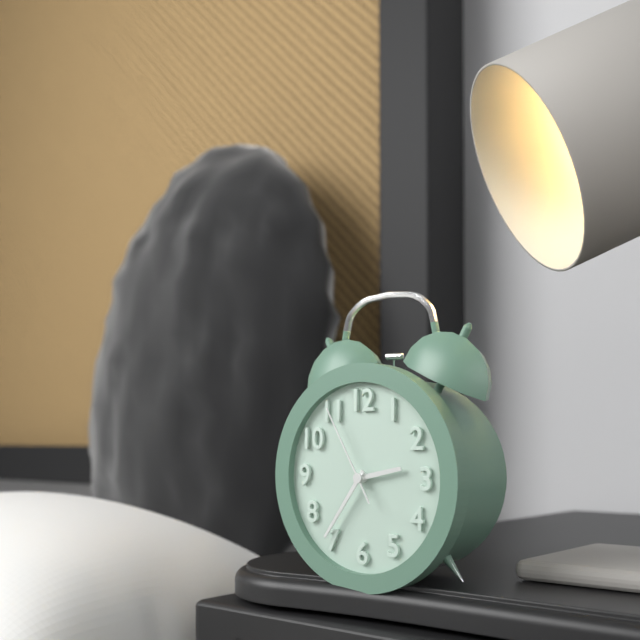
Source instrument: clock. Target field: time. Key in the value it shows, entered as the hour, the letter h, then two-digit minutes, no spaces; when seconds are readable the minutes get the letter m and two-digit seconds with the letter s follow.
2h36m55s
